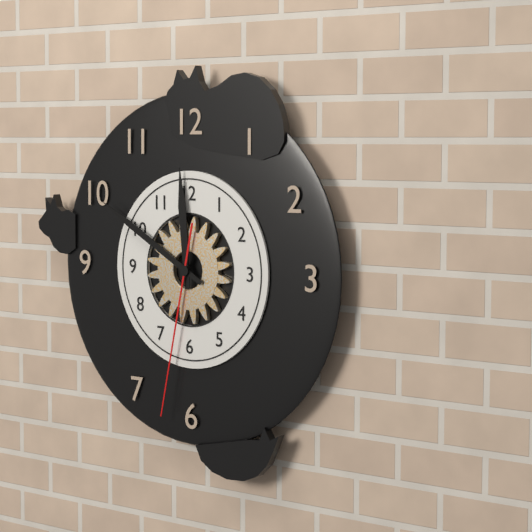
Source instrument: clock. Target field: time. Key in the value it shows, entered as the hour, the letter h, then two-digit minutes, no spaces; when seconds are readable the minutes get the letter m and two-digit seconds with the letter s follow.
11h50m32s
